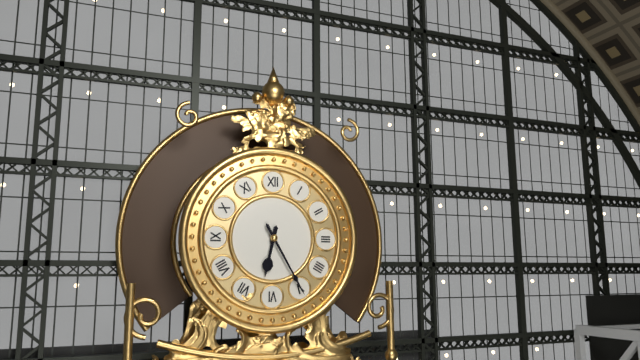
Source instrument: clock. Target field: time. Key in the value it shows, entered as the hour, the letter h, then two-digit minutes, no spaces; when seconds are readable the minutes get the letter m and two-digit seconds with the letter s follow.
6h25
